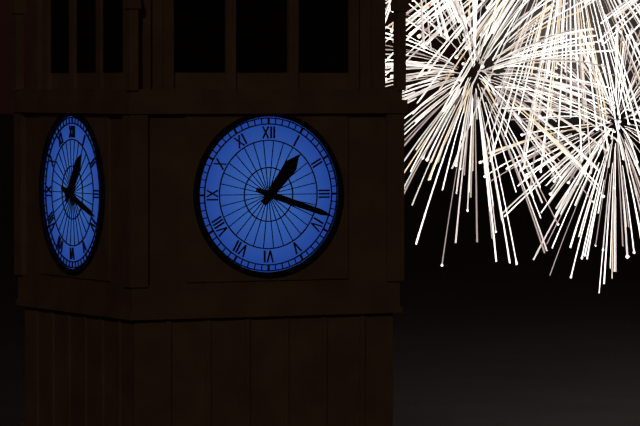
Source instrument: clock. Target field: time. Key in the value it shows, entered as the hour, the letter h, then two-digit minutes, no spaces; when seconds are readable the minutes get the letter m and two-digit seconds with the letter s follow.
1h18
